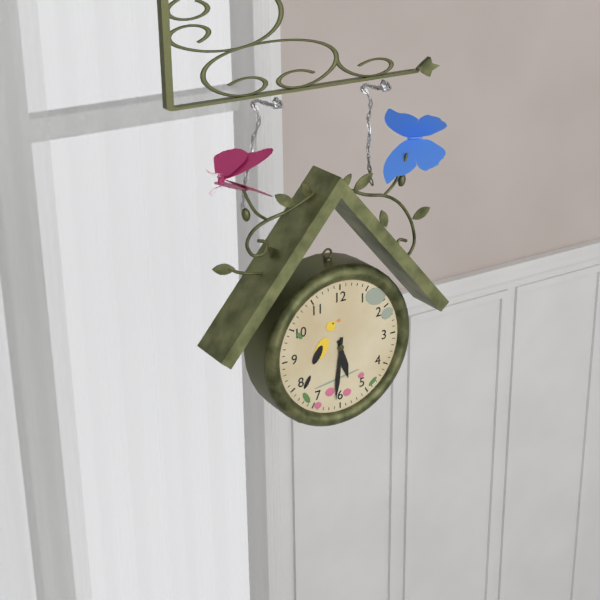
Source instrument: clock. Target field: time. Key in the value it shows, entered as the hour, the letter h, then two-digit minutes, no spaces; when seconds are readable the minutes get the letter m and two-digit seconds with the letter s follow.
5h31
